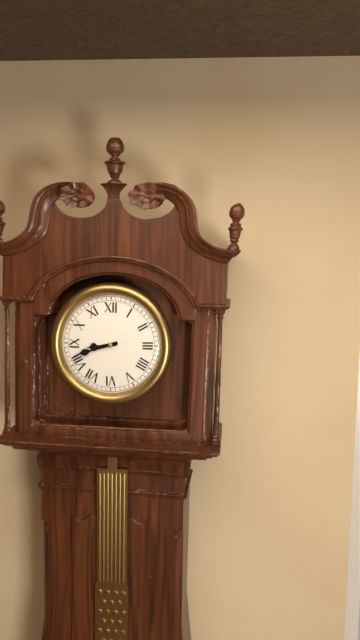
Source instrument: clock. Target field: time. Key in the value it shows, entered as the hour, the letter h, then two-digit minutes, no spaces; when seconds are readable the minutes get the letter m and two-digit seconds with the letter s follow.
8h42
